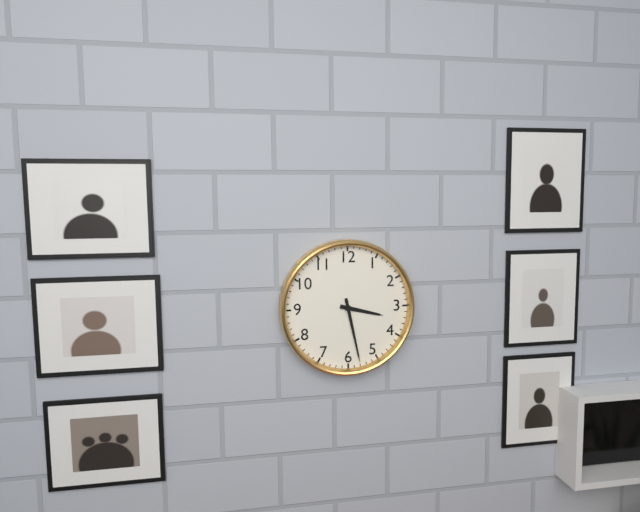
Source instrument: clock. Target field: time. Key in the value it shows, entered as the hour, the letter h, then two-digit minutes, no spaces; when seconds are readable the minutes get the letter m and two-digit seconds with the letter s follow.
3h28
